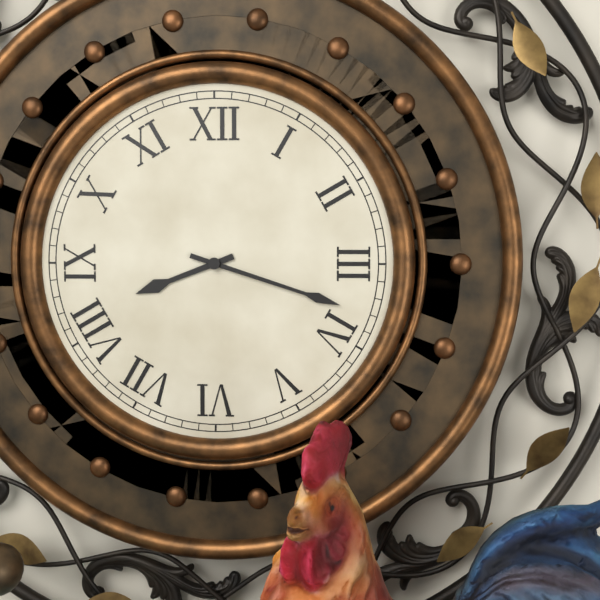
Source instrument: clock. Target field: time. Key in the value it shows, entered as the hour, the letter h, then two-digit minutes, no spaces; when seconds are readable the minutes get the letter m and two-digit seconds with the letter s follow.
8h18
